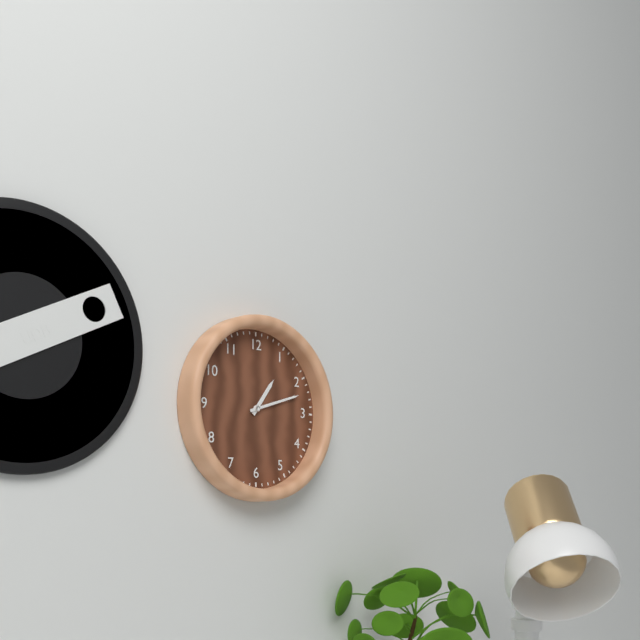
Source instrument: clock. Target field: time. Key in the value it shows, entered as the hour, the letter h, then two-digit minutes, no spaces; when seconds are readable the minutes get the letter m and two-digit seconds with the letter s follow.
1h12
